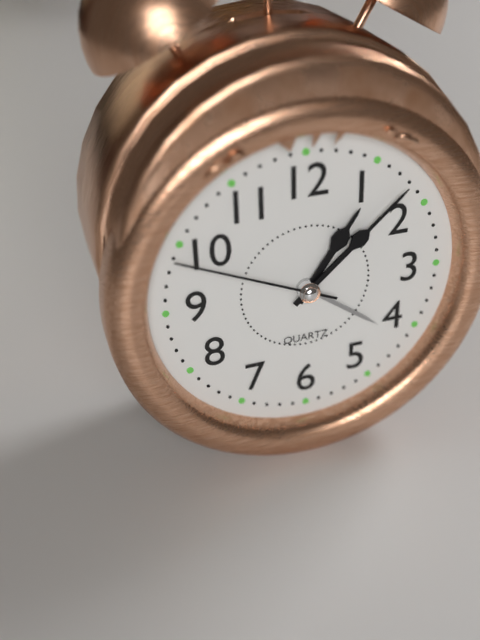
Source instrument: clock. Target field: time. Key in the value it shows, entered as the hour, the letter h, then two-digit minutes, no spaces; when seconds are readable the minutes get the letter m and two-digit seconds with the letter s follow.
1h08m49s
